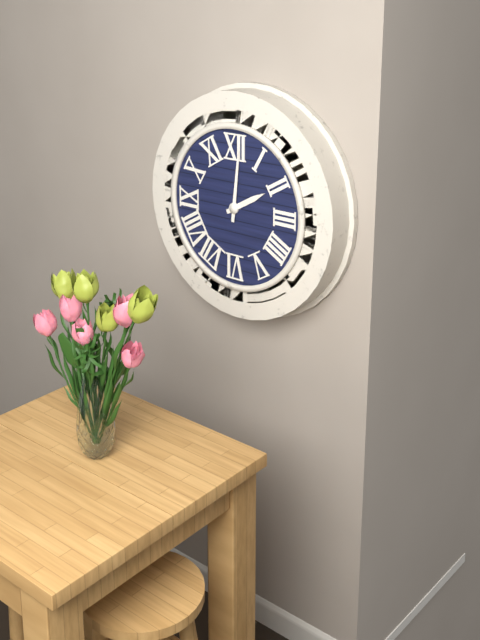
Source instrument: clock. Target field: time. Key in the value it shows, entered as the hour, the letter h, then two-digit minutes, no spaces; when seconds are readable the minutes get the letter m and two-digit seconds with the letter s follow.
2h01
